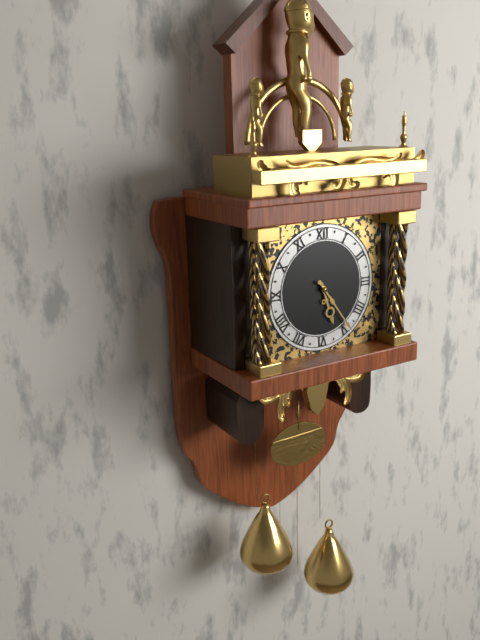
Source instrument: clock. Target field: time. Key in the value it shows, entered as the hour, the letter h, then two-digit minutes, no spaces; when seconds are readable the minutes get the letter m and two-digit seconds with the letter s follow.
5h24
